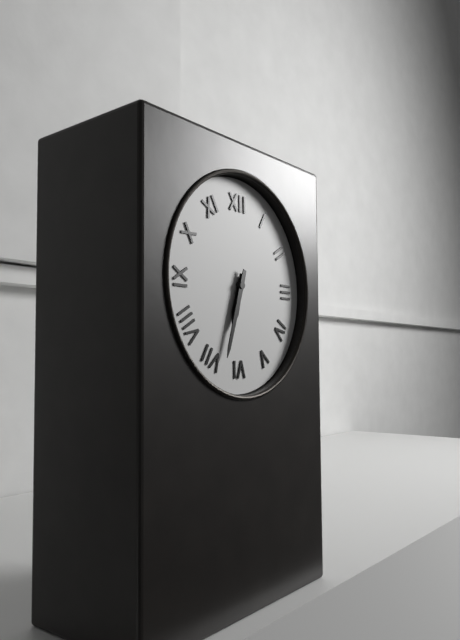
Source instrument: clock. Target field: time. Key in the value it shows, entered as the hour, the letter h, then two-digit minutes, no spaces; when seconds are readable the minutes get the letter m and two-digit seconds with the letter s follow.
6h33
